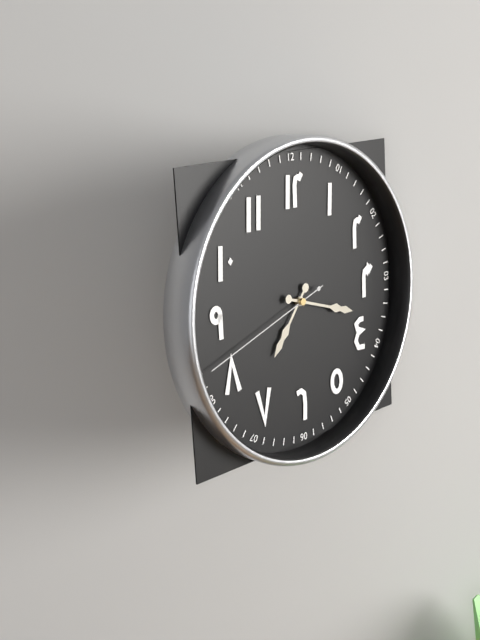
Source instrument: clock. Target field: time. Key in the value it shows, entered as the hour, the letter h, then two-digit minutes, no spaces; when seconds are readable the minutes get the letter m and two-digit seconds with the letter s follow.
7h18m42s
